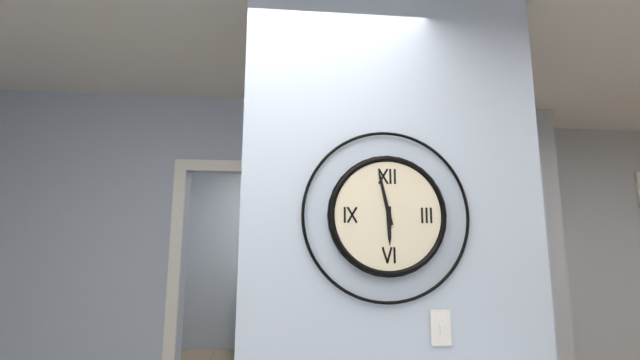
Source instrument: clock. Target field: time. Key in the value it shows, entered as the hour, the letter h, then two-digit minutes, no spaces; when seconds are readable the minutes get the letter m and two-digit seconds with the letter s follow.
5h58
